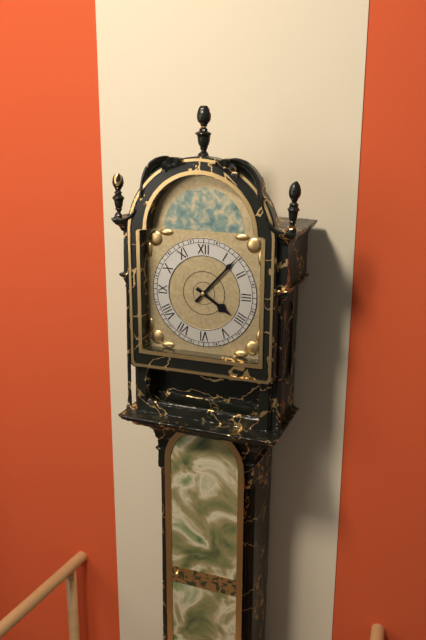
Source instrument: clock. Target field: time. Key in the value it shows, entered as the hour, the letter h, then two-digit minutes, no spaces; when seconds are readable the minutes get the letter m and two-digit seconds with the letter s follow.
4h07
